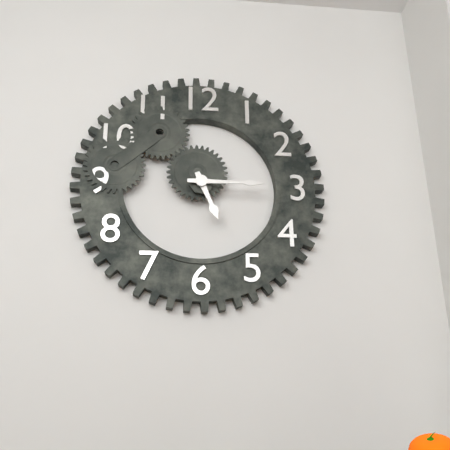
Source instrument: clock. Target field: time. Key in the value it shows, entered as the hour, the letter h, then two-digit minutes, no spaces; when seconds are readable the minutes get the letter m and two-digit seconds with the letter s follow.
5h15
